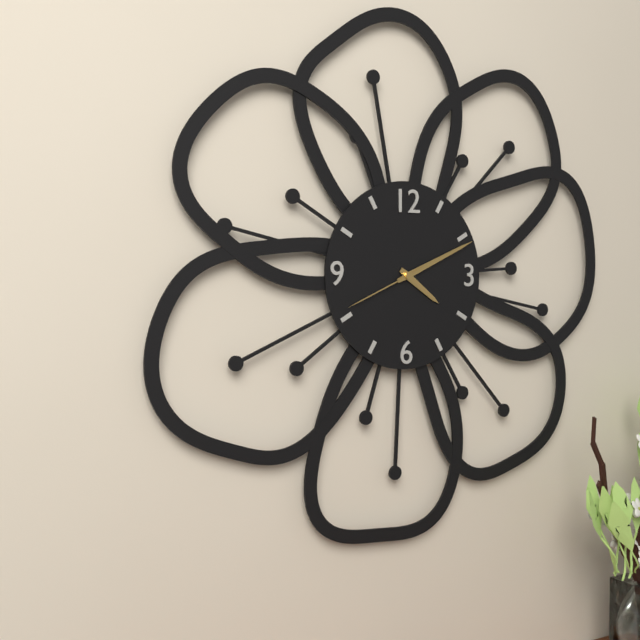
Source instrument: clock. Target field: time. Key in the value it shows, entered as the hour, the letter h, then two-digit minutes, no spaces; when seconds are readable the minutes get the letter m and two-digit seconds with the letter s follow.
4h11m41s
